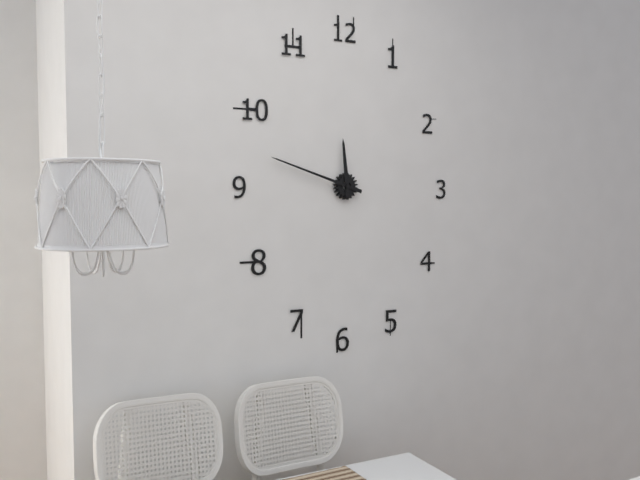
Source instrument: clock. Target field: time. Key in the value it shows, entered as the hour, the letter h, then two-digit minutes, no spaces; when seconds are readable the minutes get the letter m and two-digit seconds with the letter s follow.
11h48
